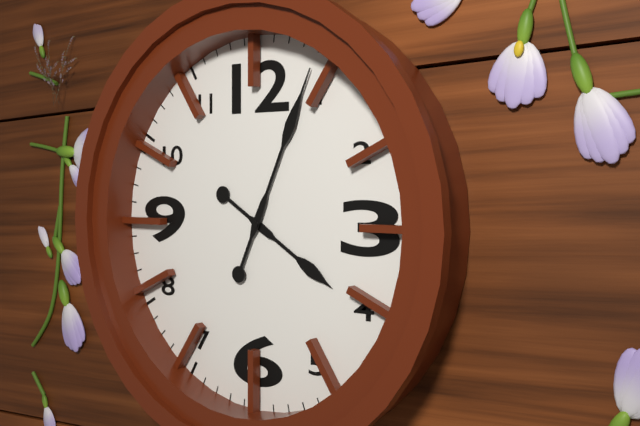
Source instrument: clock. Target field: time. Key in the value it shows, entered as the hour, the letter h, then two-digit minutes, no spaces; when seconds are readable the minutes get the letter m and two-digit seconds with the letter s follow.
4h04
